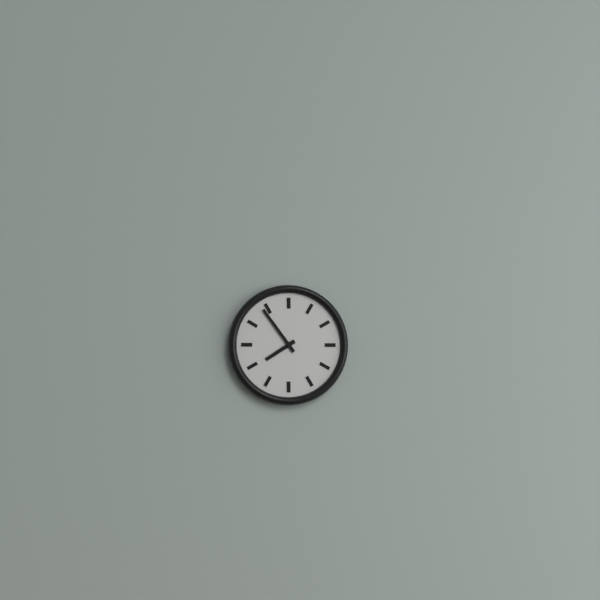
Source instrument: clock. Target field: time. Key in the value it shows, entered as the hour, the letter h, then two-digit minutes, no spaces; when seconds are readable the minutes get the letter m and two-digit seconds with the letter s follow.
7h54
